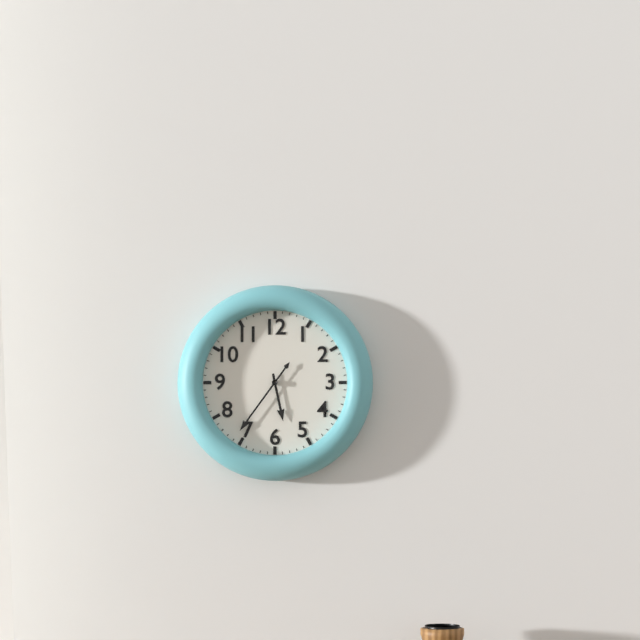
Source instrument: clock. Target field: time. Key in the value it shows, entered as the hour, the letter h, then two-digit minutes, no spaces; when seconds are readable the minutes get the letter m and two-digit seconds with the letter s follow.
5h36
